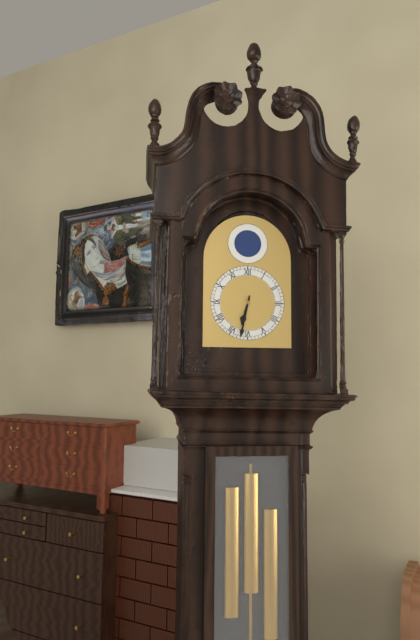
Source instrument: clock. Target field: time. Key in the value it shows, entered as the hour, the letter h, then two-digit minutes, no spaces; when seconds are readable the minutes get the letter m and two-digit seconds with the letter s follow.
6h32
